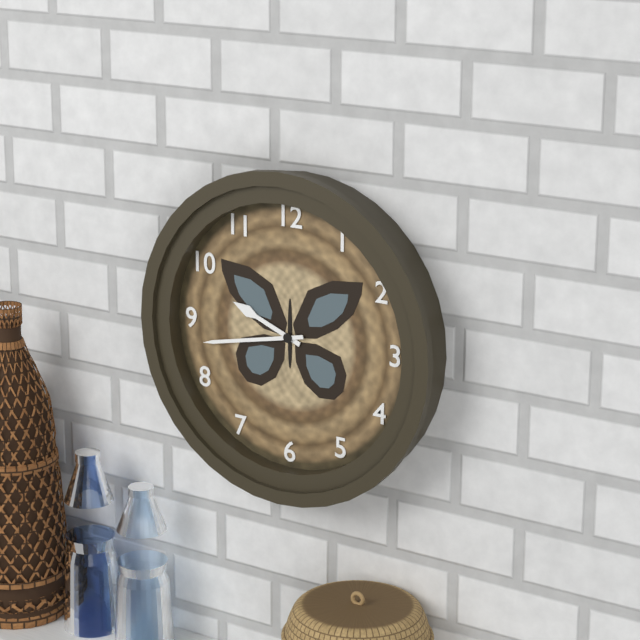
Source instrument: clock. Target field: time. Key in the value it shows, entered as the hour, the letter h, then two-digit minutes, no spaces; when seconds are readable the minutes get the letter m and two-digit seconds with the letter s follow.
9h43
